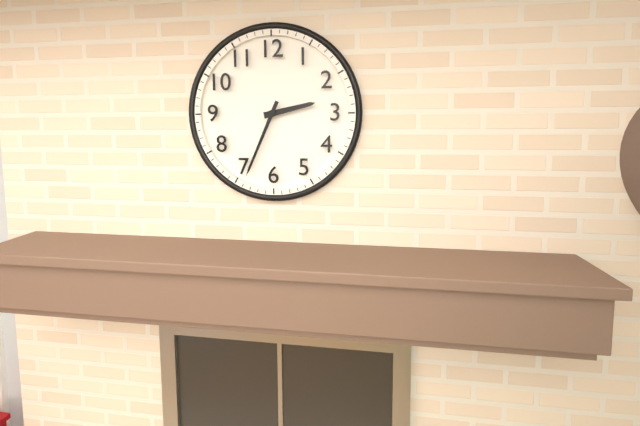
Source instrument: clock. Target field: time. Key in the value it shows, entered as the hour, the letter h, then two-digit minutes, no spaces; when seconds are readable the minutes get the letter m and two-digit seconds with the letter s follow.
2h34
